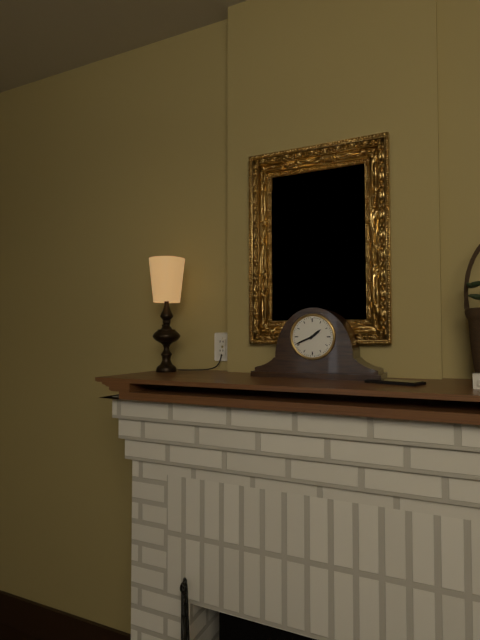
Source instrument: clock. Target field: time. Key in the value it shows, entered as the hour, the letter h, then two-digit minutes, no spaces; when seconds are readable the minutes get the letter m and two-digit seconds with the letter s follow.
1h41
